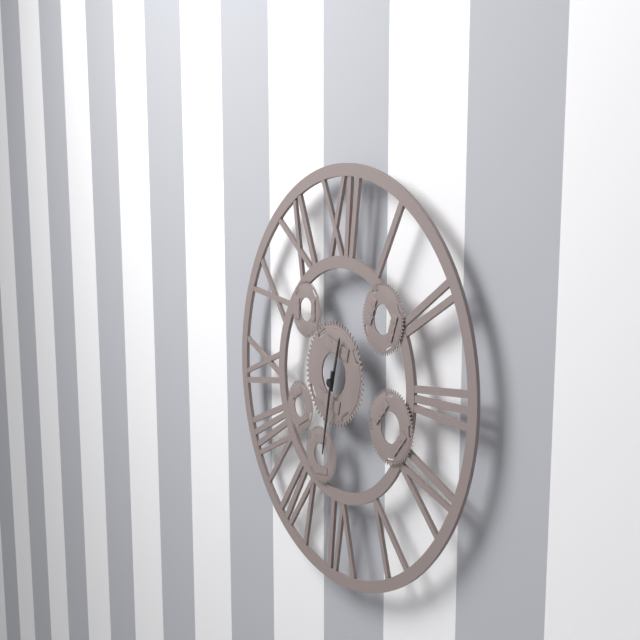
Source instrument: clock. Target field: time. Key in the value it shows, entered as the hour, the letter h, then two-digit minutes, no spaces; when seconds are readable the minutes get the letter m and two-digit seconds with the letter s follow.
12h32
